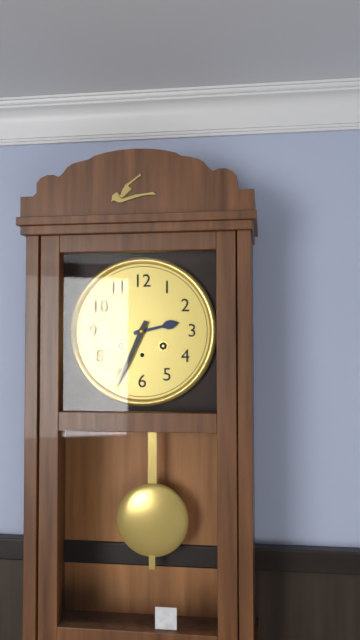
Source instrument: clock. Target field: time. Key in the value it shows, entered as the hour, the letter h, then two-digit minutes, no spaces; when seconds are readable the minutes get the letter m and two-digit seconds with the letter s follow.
2h34
